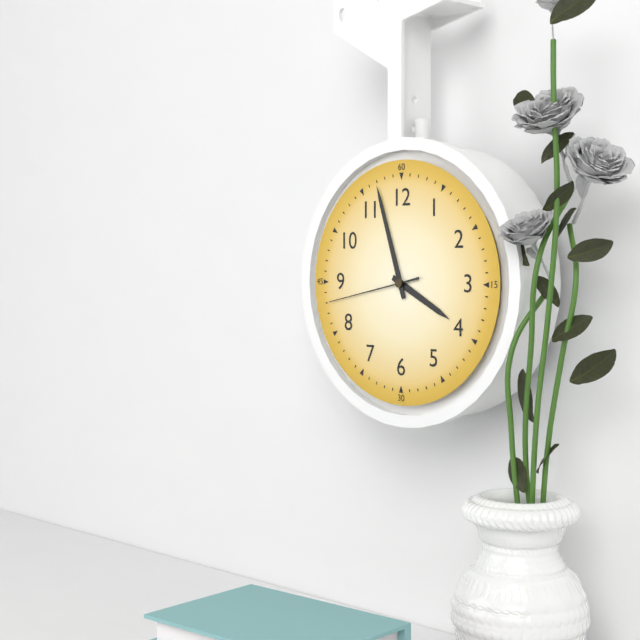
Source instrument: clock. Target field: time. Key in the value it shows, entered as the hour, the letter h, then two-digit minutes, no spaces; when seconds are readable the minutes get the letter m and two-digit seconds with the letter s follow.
3h57m43s
